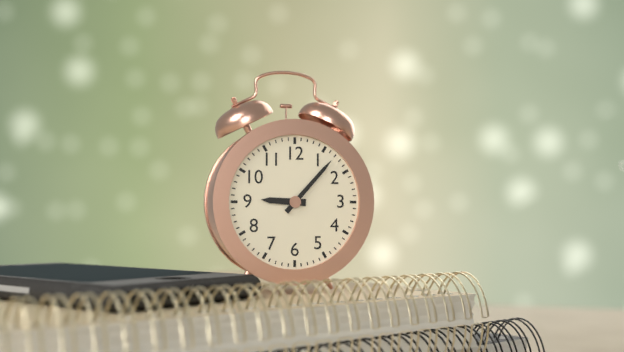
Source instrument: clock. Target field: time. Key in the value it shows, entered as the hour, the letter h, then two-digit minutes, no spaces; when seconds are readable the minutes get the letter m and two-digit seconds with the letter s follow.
9h07
